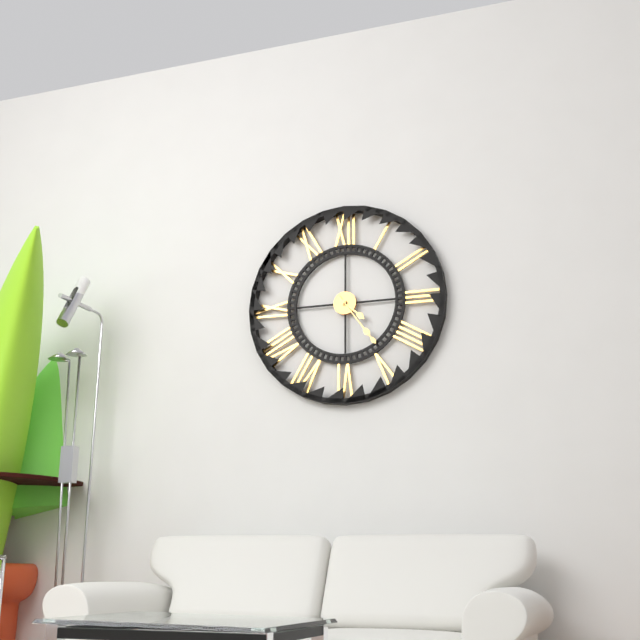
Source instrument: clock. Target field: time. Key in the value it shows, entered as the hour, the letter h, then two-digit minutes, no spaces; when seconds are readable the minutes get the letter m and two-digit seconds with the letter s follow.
4h24m24s
